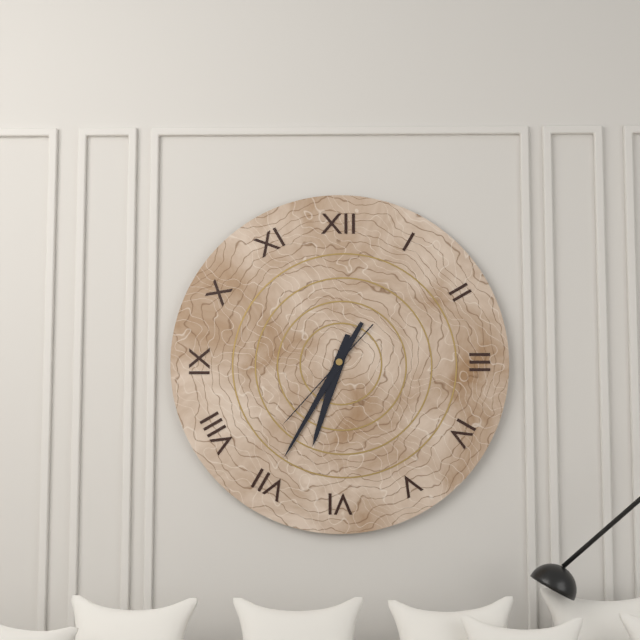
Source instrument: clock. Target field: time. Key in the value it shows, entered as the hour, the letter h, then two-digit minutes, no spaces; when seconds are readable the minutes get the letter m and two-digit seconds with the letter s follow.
6h35m37s
